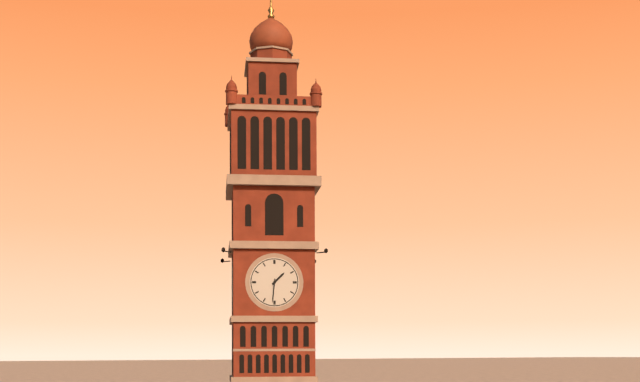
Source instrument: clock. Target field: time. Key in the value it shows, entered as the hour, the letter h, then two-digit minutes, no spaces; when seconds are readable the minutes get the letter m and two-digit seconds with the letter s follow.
1h31
